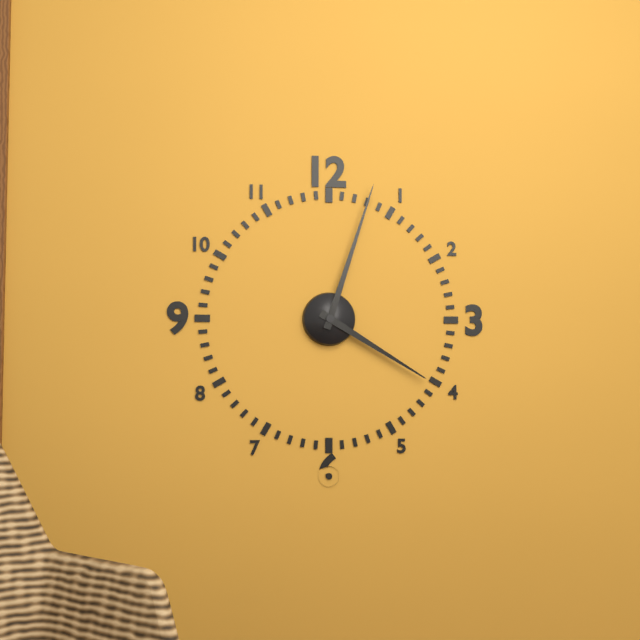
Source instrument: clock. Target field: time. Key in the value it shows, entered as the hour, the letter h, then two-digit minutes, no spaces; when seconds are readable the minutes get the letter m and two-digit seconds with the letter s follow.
4h03
